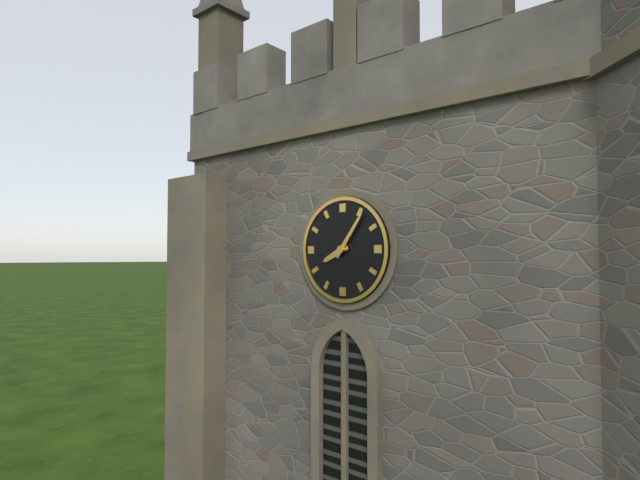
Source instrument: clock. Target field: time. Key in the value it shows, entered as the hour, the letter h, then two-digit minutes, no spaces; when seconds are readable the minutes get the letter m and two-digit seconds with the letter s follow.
8h06
